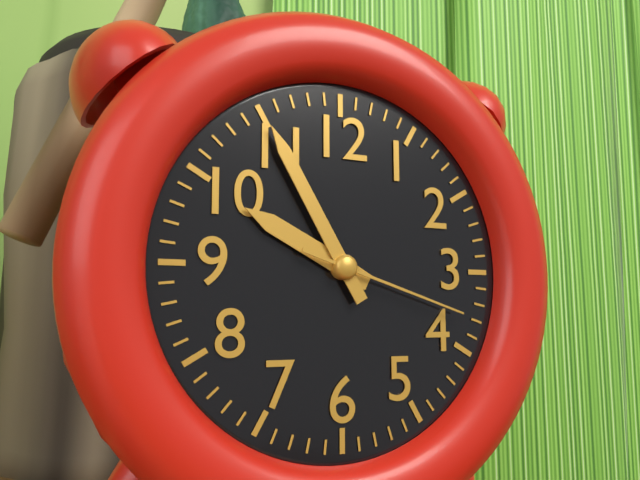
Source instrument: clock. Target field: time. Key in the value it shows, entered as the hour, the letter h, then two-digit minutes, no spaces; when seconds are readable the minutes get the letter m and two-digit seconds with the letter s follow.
9h55m18s
